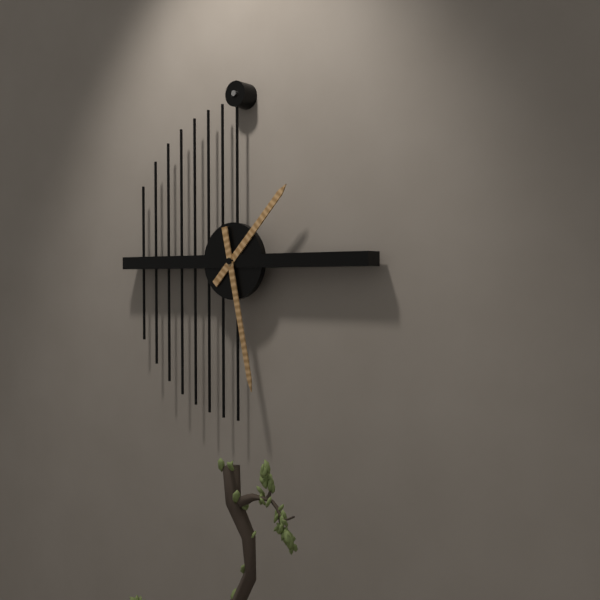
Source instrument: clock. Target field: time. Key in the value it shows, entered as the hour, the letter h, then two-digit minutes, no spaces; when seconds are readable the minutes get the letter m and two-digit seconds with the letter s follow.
1h28
